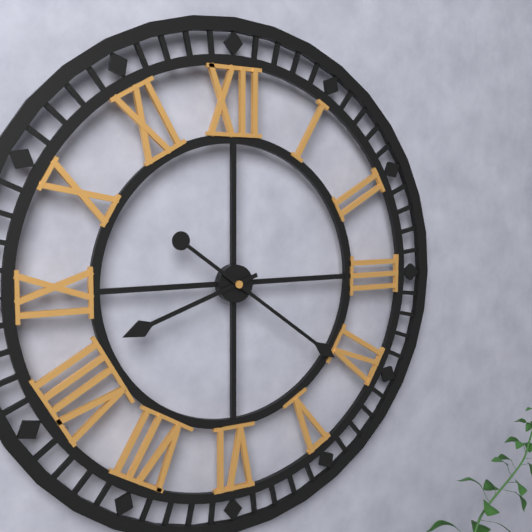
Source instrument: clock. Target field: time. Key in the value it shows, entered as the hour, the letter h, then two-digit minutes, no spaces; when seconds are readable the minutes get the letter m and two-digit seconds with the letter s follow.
8h21
